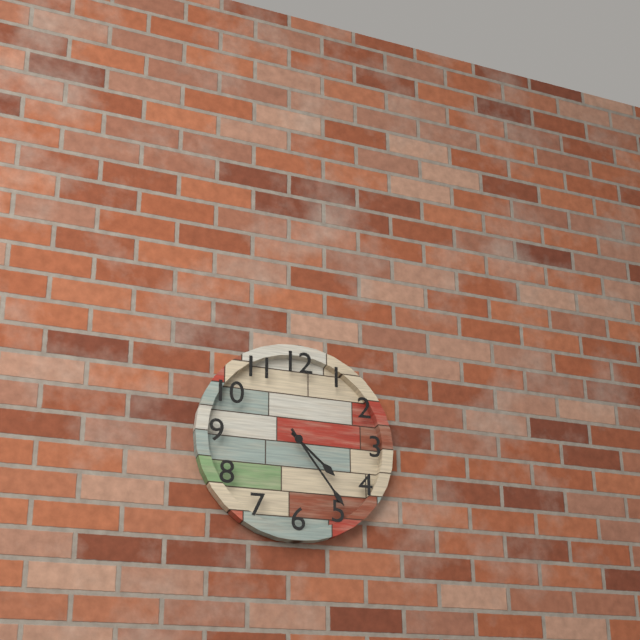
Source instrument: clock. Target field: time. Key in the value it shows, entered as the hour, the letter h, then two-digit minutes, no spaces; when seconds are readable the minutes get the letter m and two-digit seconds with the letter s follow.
4h24
